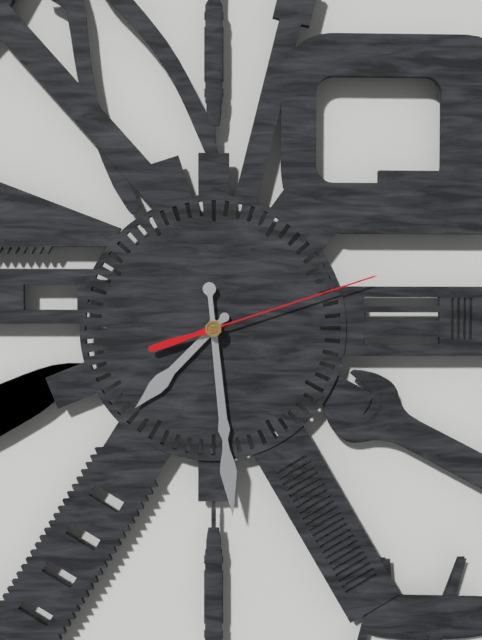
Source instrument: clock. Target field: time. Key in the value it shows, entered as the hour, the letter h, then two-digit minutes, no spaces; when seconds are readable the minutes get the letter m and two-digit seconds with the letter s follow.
7h29m12s
